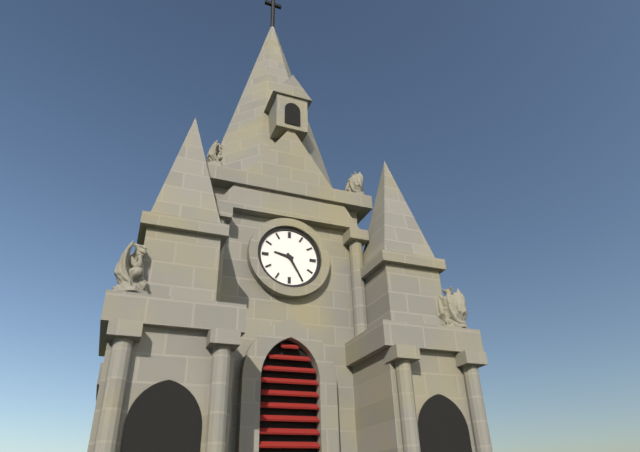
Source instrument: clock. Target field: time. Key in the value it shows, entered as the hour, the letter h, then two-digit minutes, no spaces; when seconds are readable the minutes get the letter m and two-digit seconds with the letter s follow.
9h25
